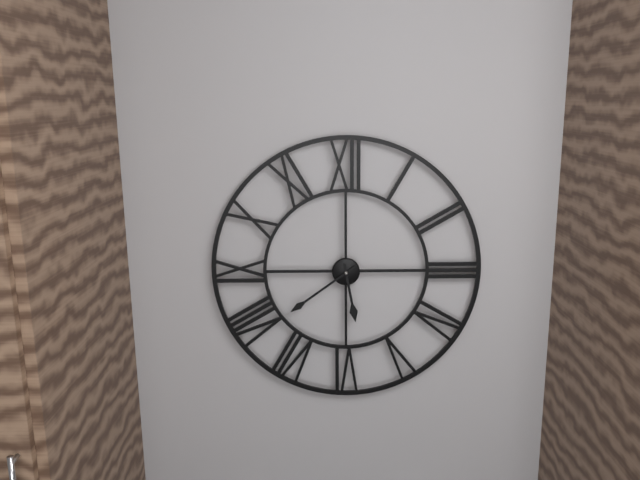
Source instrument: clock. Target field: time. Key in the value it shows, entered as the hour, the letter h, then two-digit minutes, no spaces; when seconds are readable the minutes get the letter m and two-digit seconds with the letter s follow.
5h39
